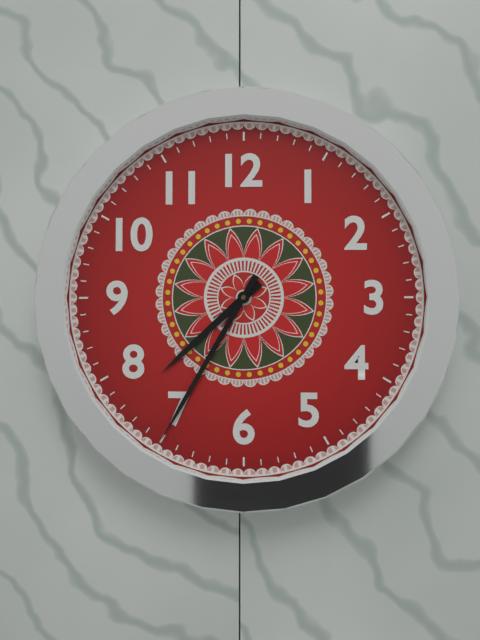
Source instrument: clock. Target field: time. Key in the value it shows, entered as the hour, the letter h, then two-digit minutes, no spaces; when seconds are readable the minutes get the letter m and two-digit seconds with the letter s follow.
7h35
